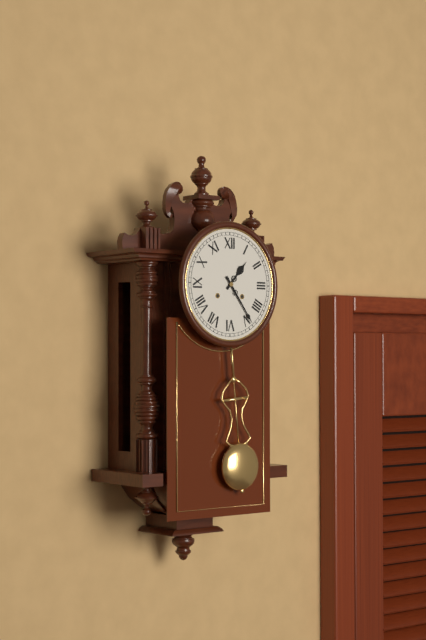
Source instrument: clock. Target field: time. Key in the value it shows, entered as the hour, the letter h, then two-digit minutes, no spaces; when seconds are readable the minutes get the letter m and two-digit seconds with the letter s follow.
1h24
